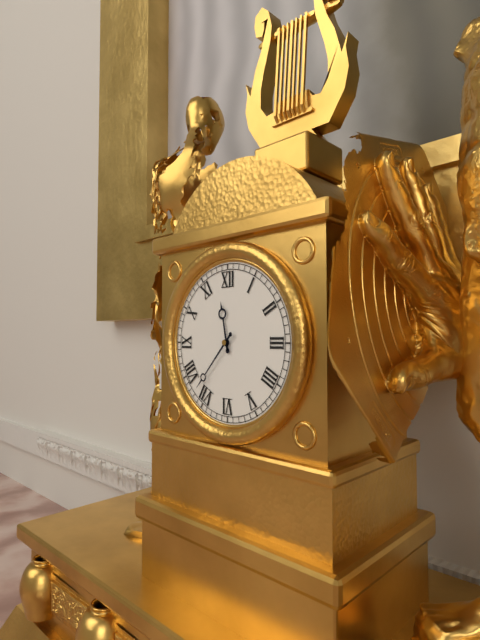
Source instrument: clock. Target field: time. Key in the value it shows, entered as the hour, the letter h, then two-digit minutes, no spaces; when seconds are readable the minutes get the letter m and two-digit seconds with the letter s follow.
11h37
